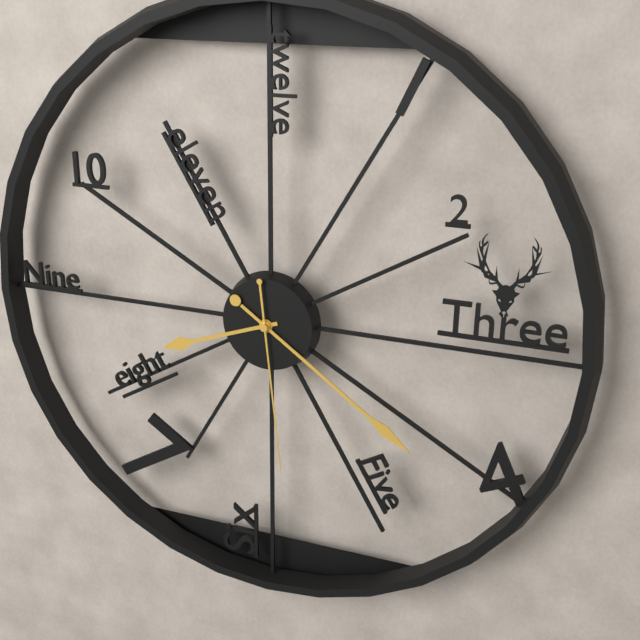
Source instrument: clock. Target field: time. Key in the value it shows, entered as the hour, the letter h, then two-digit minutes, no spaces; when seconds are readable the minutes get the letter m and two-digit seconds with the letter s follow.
8h21m29s
